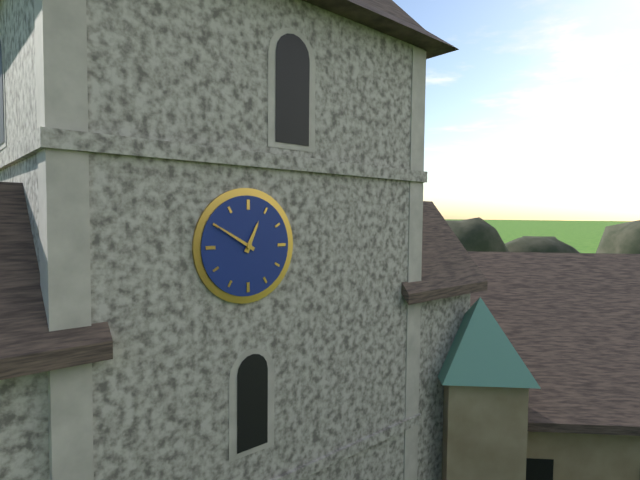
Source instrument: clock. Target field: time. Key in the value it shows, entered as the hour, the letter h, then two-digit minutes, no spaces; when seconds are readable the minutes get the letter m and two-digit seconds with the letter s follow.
12h50
